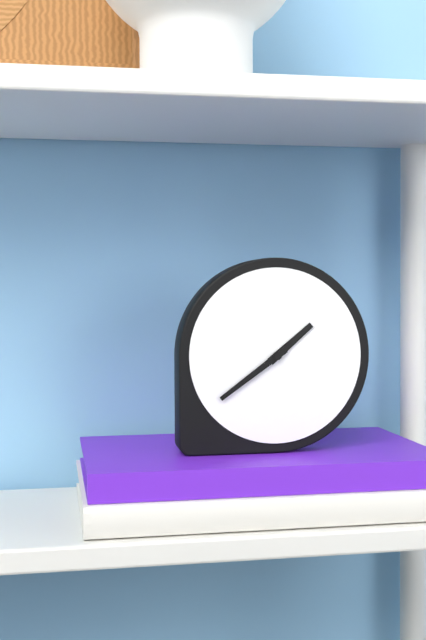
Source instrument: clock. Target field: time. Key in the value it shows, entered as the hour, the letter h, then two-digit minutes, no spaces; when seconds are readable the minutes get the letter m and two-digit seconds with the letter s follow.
1h39
